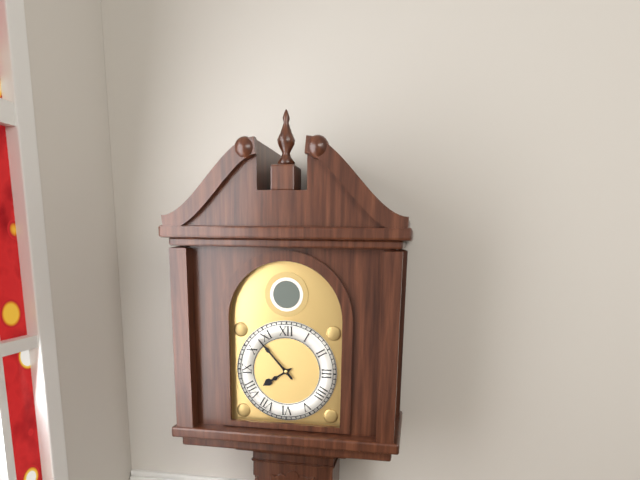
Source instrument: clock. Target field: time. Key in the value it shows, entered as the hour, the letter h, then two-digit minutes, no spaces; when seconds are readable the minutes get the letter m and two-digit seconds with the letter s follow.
7h53
